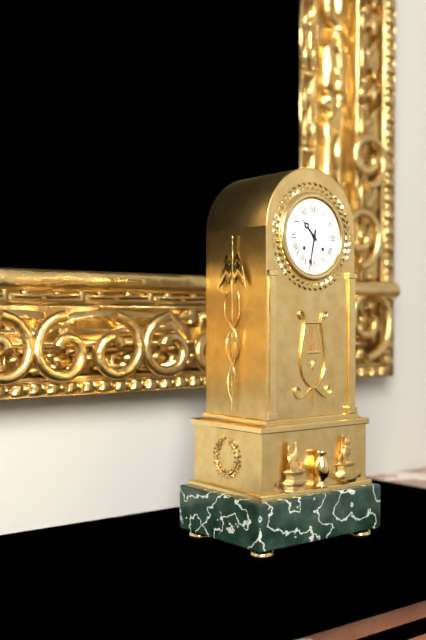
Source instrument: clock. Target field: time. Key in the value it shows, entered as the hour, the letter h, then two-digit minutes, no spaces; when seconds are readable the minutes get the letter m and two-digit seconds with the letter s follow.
10h32
